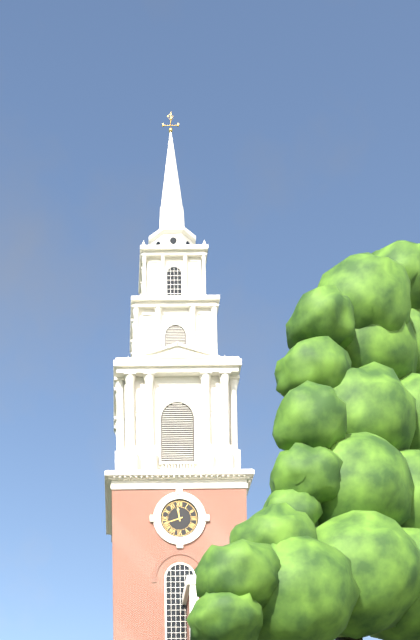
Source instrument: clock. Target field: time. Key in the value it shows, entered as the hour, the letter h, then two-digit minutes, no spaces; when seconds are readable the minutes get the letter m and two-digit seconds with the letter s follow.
11h42
